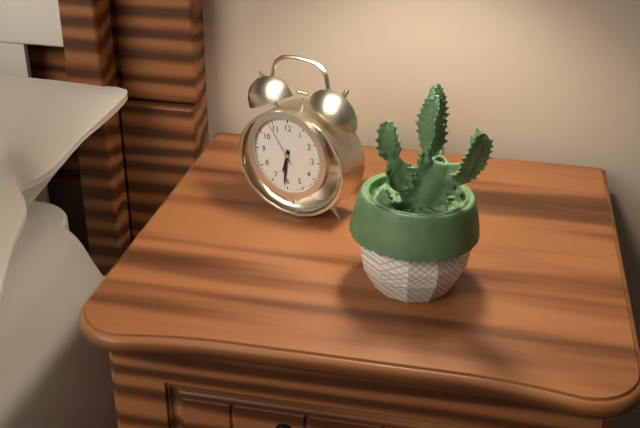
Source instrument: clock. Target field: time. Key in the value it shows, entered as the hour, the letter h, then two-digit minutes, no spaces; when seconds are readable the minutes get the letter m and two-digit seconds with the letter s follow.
6h31
